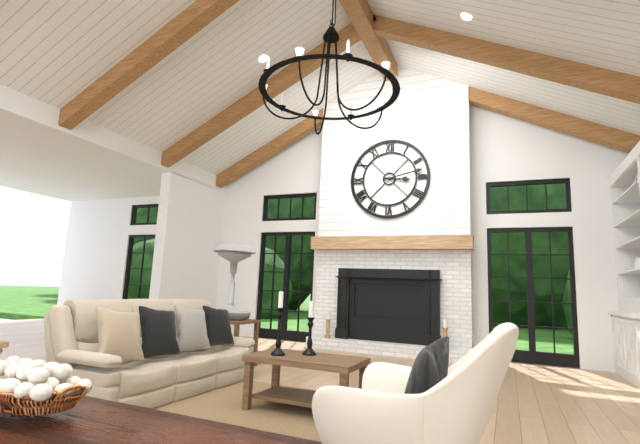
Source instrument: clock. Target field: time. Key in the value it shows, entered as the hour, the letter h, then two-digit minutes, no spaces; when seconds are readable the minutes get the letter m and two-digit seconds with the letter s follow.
3h13
